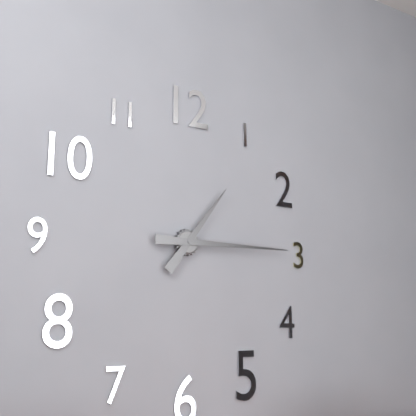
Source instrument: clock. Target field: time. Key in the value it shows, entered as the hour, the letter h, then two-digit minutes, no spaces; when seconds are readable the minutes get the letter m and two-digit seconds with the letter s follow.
1h15
